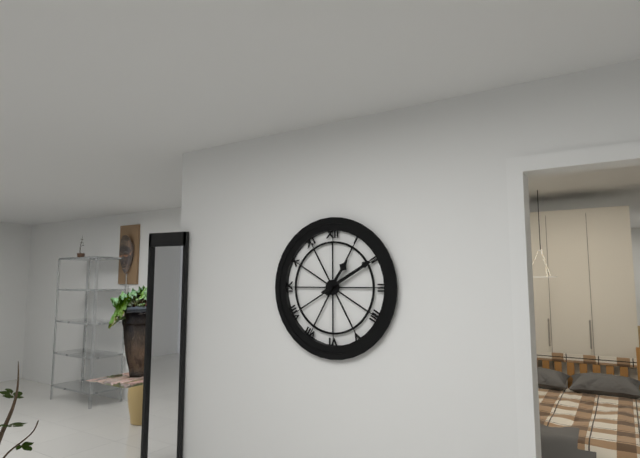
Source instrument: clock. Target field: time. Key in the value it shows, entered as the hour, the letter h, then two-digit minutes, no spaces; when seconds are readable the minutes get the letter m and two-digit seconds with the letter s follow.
1h10
